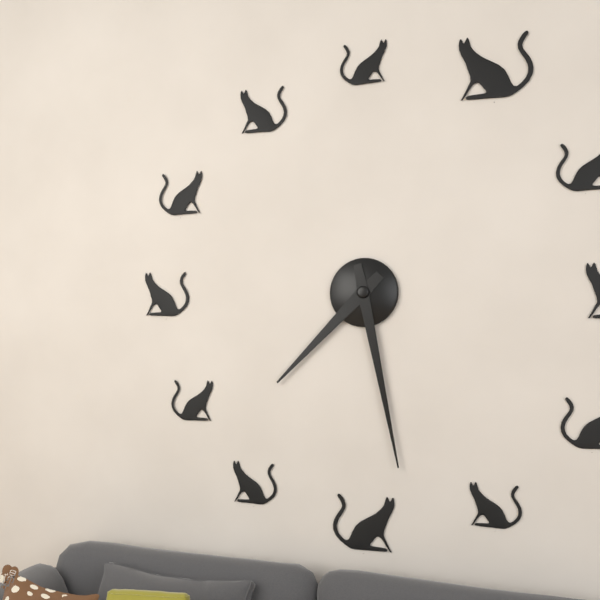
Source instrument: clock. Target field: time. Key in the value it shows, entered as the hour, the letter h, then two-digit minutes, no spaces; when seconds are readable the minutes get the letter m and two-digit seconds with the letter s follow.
7h28
